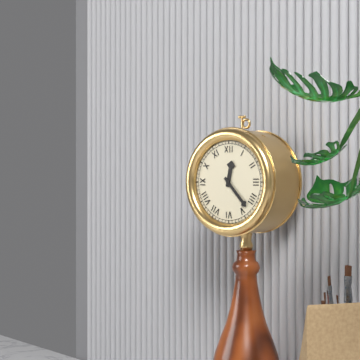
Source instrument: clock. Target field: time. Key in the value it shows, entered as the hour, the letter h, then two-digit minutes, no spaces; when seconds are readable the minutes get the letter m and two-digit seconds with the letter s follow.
12h23
